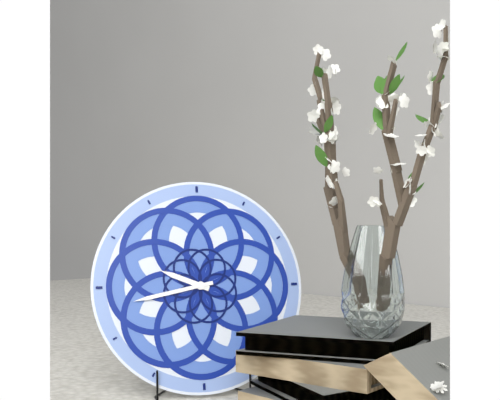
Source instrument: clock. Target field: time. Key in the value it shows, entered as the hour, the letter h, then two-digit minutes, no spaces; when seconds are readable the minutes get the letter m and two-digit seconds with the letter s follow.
9h43
